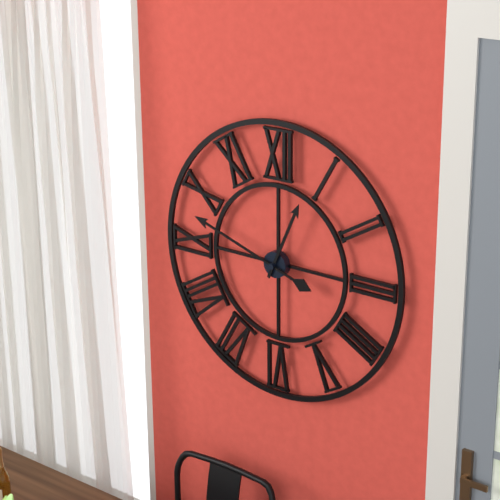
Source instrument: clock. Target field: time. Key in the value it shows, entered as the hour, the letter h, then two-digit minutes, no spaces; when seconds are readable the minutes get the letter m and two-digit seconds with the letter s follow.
12h48
